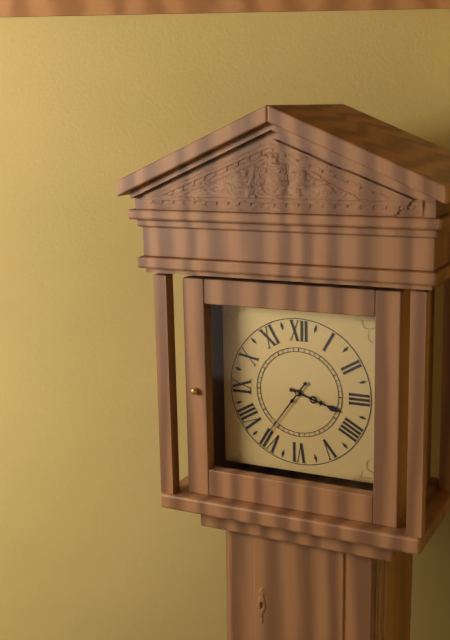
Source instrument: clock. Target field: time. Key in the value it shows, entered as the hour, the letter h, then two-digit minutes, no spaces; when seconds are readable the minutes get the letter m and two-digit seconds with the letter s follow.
3h36
